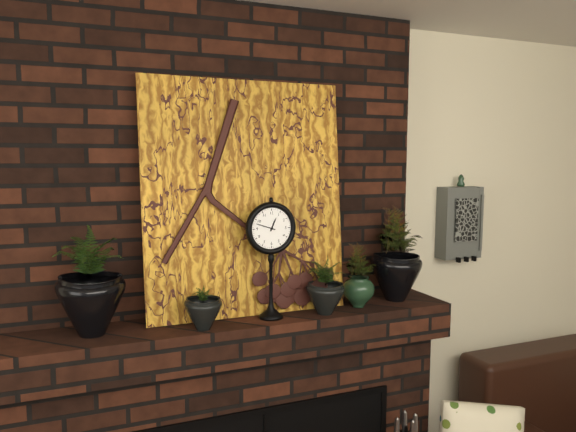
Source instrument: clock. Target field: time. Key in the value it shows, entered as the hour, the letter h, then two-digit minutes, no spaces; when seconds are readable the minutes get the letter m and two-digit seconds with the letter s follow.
12h48
